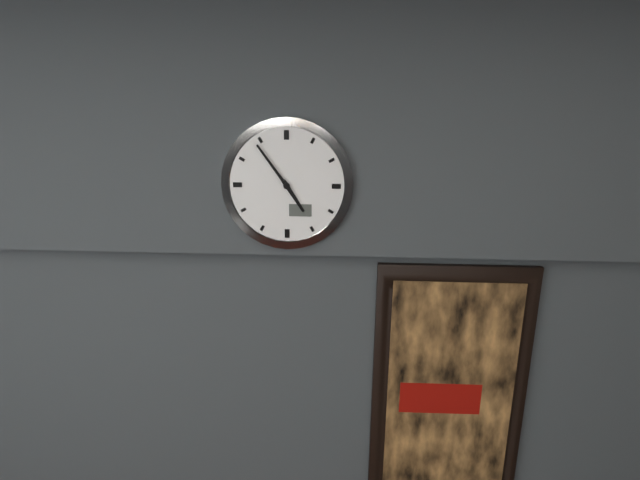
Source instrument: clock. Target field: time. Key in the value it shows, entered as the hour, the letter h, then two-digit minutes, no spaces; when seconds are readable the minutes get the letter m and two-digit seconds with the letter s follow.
4h54
